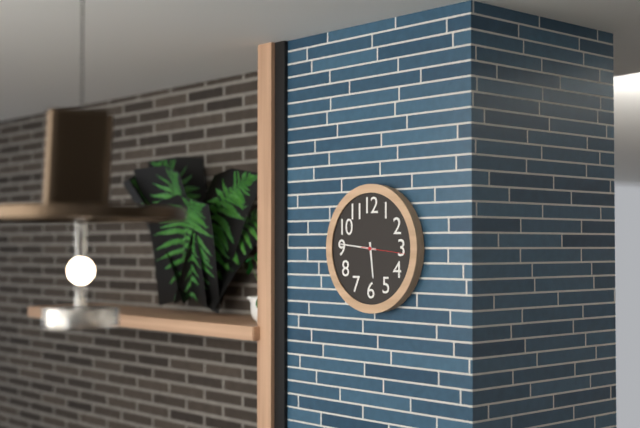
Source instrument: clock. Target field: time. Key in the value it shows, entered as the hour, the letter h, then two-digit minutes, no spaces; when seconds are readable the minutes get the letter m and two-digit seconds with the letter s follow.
5h46
